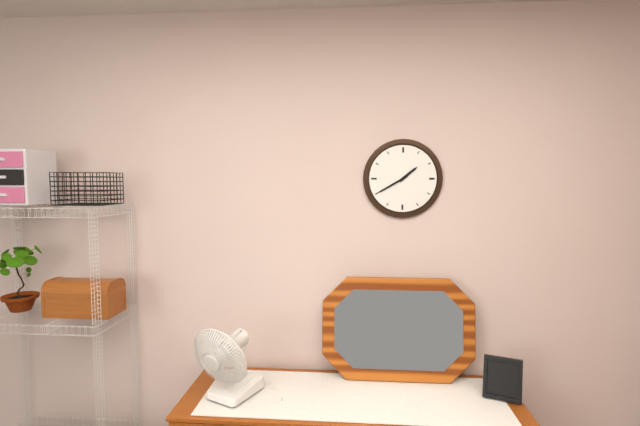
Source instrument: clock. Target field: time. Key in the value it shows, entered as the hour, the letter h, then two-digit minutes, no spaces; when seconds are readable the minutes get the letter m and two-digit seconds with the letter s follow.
1h40
